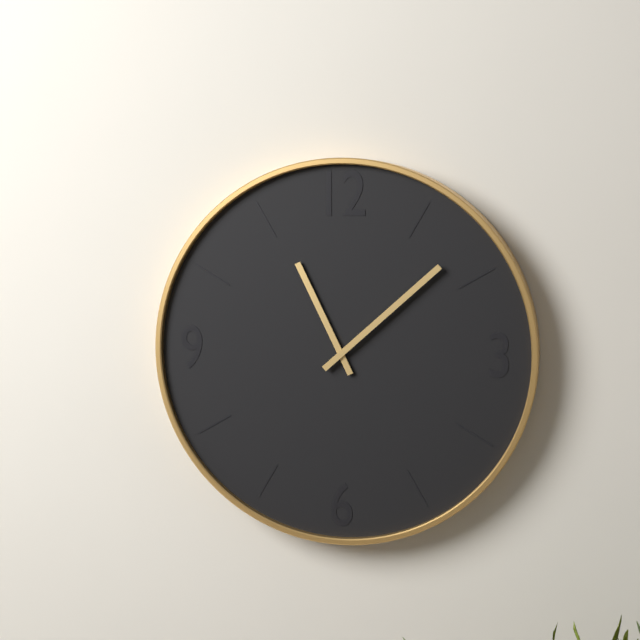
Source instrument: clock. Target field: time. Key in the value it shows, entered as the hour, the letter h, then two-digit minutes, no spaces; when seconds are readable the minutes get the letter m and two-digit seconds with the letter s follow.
11h08
